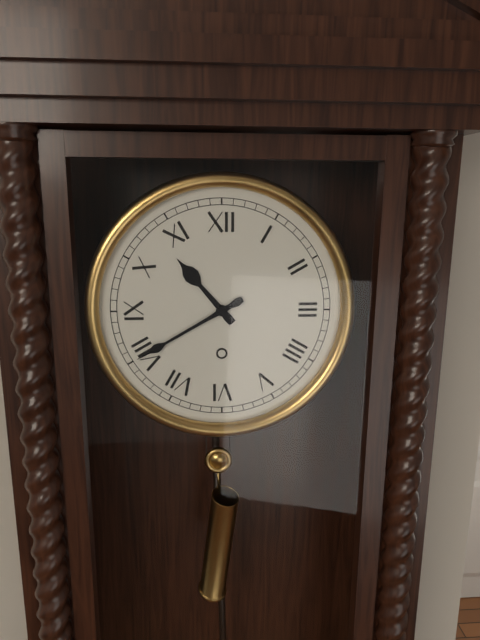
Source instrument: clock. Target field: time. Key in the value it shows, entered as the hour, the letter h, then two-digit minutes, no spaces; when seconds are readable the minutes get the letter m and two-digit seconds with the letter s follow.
10h40
